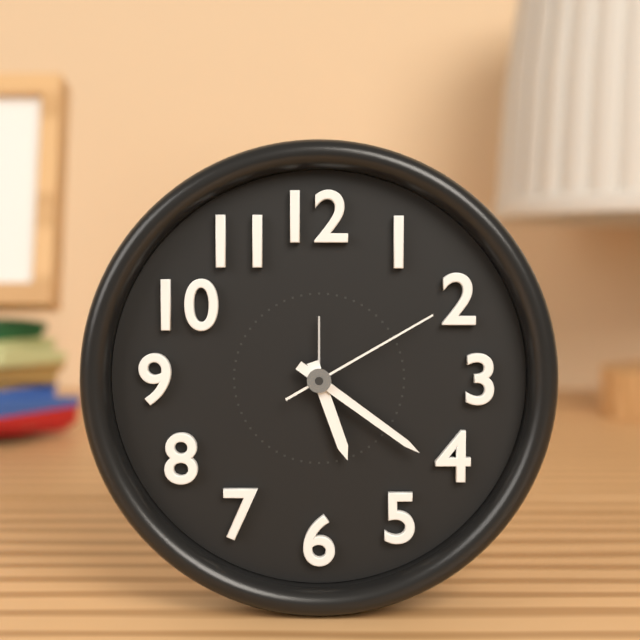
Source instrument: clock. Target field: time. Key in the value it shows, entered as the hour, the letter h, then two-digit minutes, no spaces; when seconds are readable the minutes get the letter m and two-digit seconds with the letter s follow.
5h21m10s
